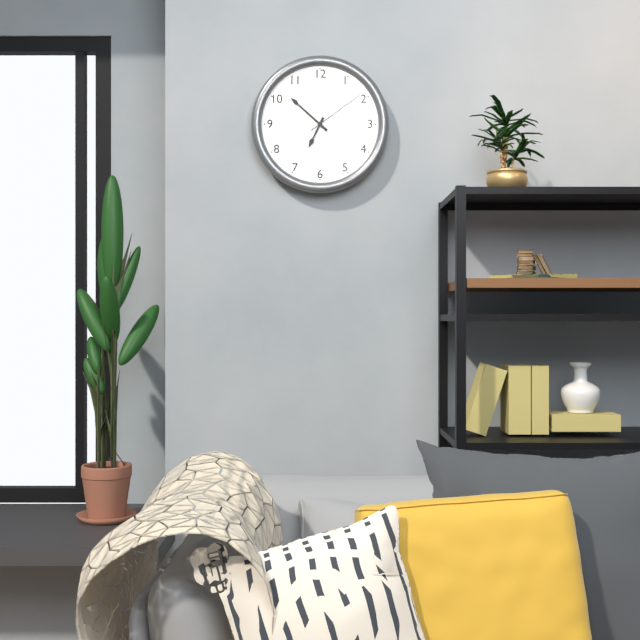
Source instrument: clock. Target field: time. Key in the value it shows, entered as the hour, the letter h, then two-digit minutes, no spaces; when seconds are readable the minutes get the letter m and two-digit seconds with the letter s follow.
6h52m09s
